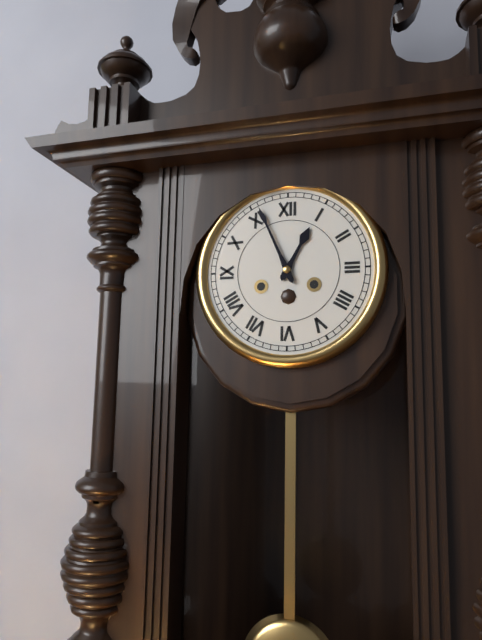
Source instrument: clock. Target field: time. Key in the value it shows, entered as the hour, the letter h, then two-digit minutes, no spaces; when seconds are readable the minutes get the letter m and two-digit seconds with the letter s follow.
12h56
